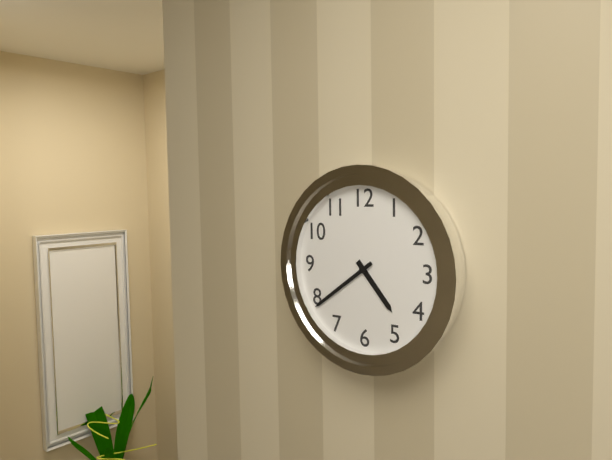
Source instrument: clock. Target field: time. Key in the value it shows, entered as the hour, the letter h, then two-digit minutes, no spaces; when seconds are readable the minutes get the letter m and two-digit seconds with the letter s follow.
4h39
